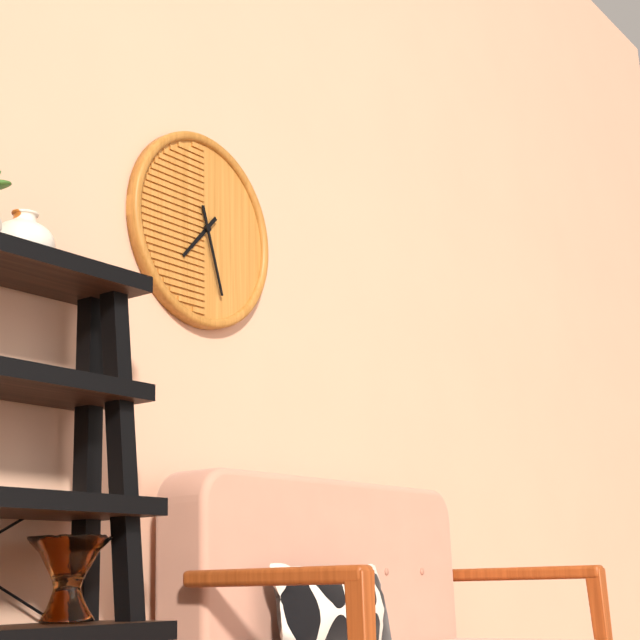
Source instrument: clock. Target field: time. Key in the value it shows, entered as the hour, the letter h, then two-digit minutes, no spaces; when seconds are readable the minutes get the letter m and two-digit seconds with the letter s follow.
7h27
